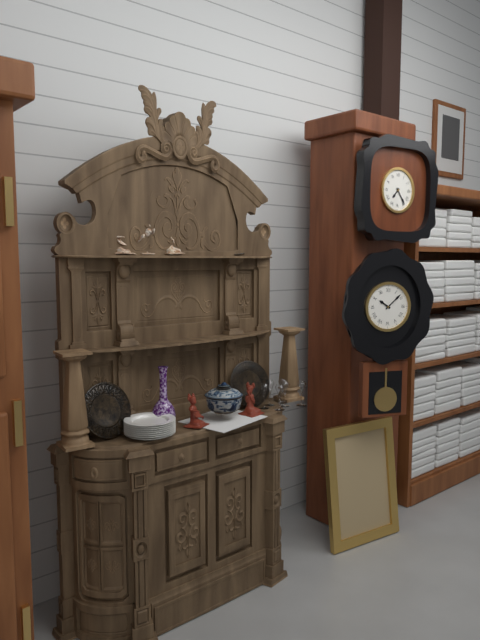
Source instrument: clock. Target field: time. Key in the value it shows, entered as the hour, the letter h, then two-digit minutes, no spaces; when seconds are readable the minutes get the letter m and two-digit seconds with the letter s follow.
7h24
